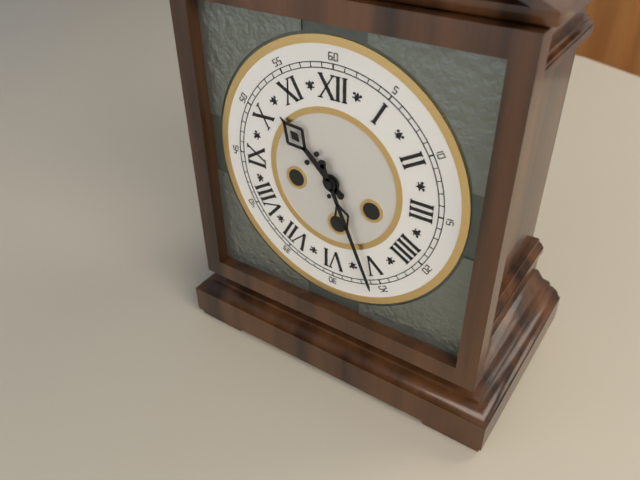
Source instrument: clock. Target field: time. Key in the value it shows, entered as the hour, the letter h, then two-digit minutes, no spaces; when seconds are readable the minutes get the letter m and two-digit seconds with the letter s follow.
10h26
